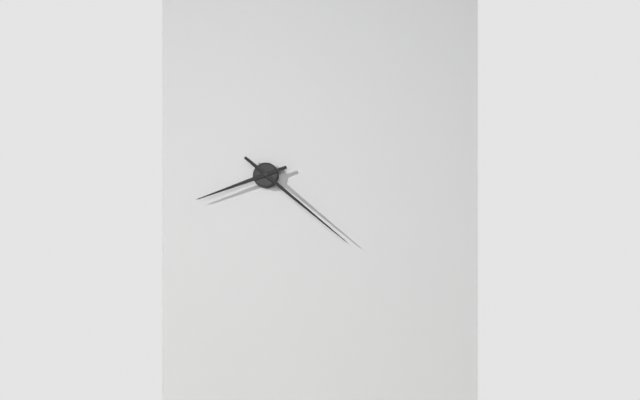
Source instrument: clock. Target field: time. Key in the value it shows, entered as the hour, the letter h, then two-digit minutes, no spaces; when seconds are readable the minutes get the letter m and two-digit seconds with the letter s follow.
8h22
